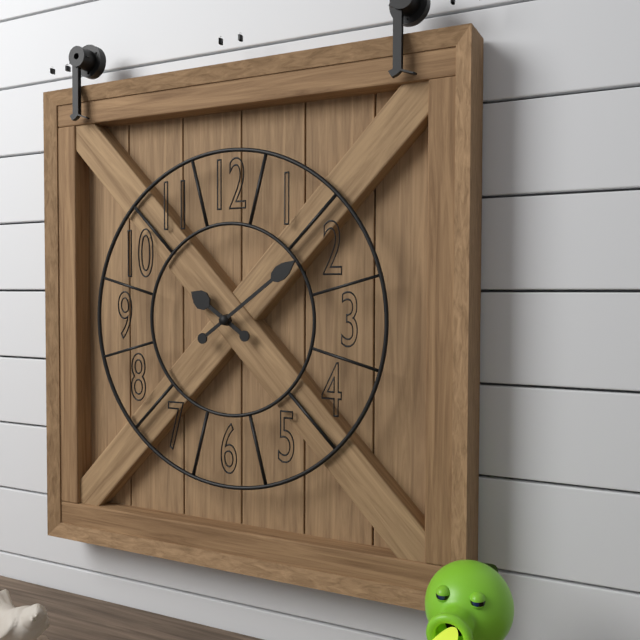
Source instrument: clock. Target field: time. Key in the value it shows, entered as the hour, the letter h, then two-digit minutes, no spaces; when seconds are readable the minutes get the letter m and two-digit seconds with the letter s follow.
10h09
